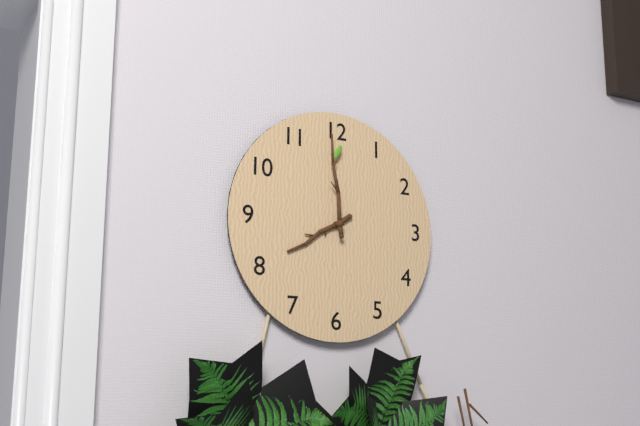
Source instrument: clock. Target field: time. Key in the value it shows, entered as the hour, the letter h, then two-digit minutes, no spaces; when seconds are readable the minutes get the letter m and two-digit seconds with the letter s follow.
7h59
